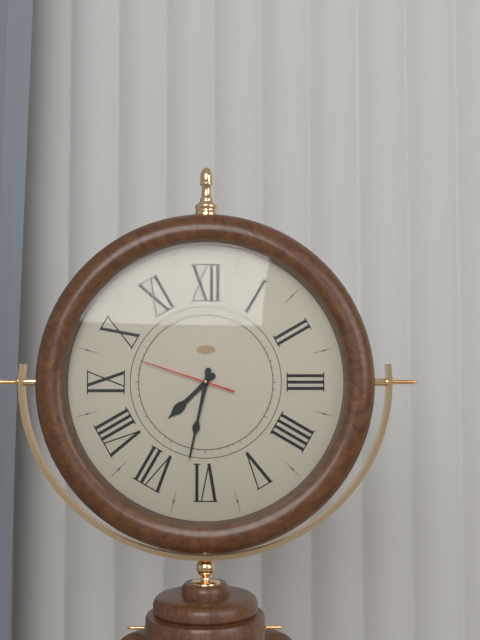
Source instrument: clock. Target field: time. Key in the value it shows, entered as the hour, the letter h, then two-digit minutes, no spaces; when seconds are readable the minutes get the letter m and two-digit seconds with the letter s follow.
7h32m48s
